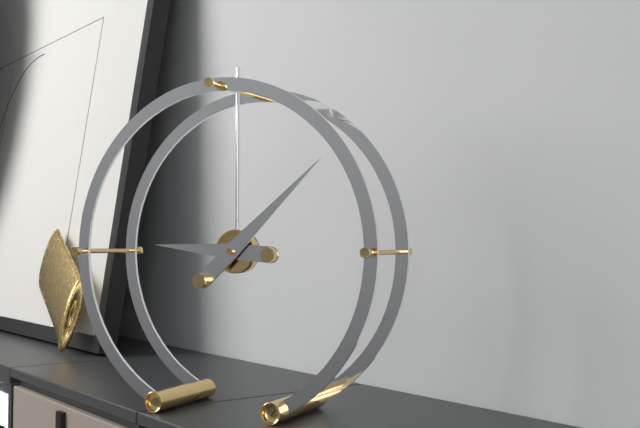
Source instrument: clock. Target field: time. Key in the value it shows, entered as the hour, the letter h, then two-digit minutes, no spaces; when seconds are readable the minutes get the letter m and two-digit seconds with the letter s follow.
9h08
